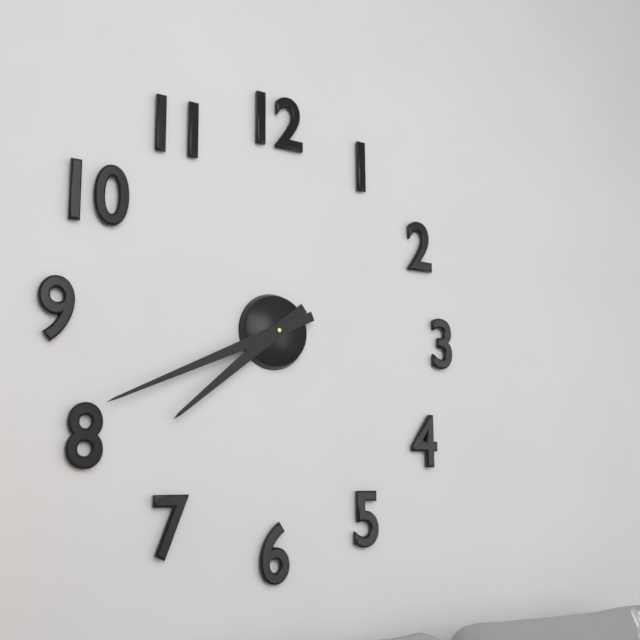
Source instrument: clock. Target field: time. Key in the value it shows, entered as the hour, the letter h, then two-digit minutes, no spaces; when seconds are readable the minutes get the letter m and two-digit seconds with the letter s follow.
7h41
